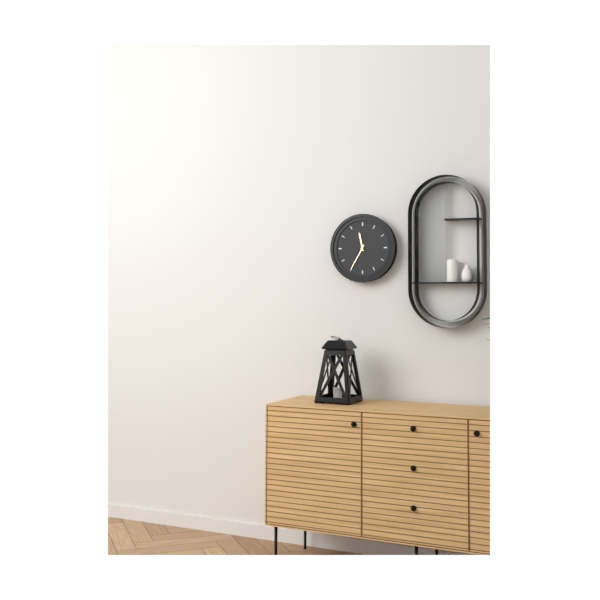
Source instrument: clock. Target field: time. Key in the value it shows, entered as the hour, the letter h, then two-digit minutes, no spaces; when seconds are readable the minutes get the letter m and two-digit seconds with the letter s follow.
11h35
